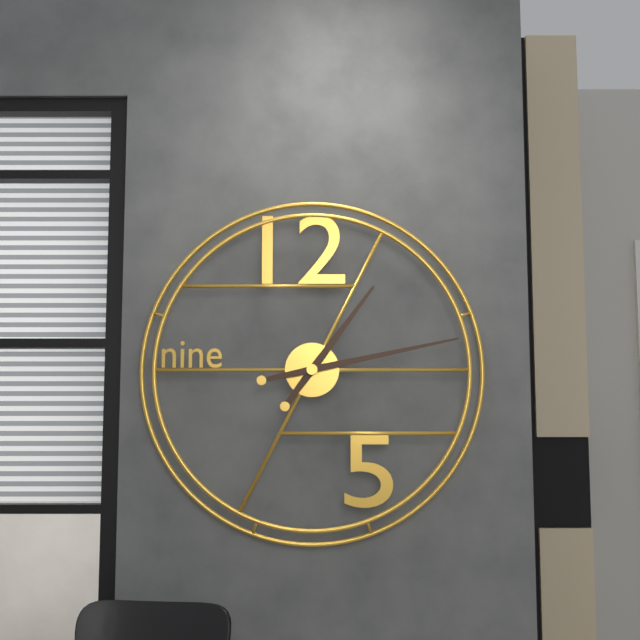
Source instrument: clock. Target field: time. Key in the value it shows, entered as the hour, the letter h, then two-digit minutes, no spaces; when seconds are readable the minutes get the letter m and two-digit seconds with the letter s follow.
1h13
